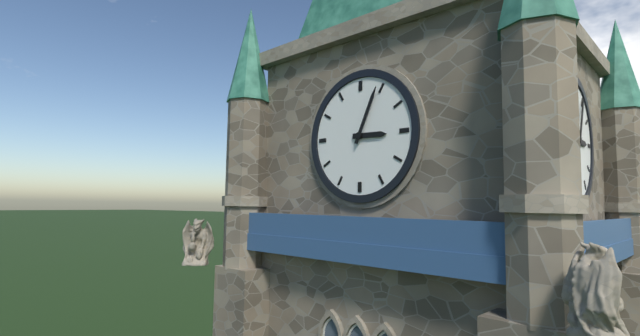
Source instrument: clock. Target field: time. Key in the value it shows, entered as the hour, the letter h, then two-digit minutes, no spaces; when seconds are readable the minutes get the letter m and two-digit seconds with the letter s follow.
3h04
